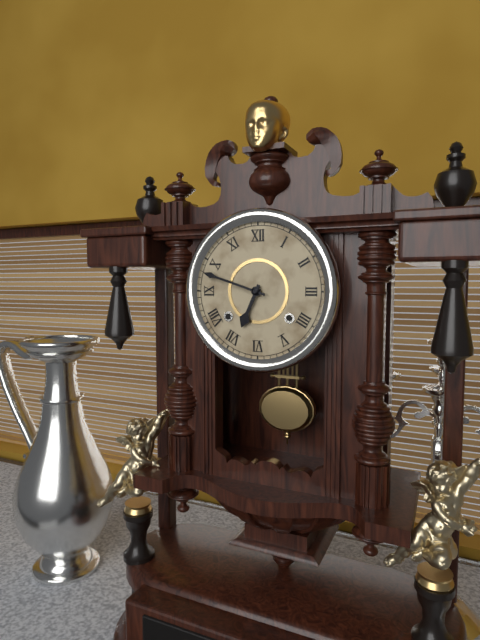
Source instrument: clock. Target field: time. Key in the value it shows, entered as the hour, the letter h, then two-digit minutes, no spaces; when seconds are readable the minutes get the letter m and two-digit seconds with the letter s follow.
6h48
